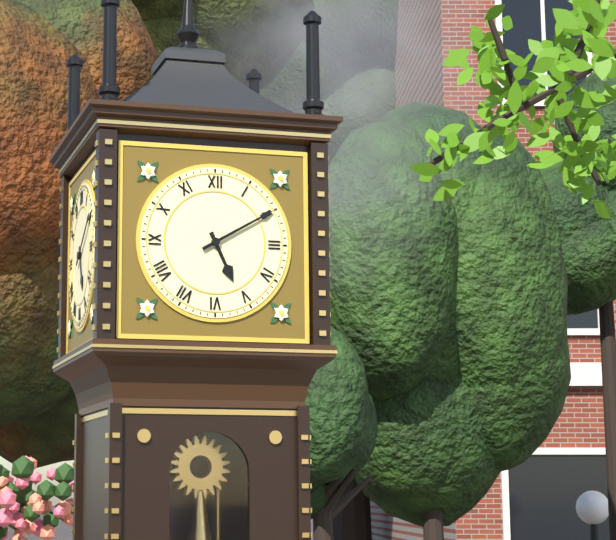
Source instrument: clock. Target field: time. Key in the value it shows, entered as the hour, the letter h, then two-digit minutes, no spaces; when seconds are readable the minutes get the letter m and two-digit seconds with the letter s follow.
5h10
